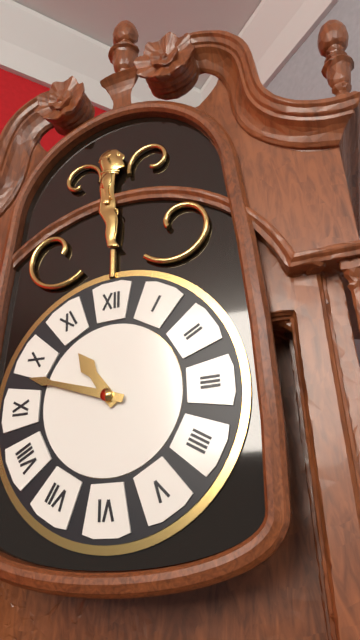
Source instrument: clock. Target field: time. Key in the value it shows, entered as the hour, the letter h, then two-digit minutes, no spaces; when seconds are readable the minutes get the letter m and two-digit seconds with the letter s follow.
10h48
